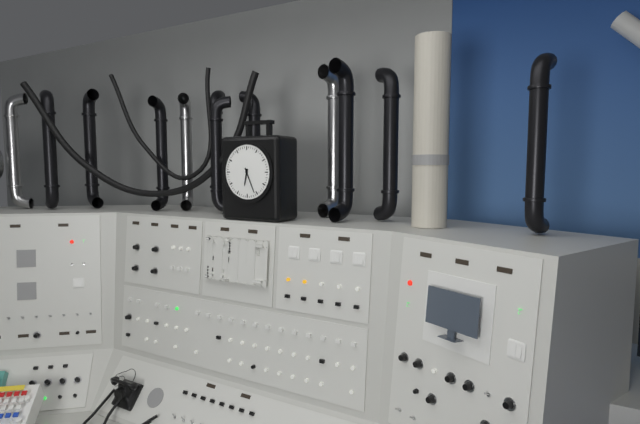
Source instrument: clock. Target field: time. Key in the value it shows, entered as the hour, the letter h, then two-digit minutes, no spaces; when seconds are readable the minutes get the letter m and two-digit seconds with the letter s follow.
6h26
